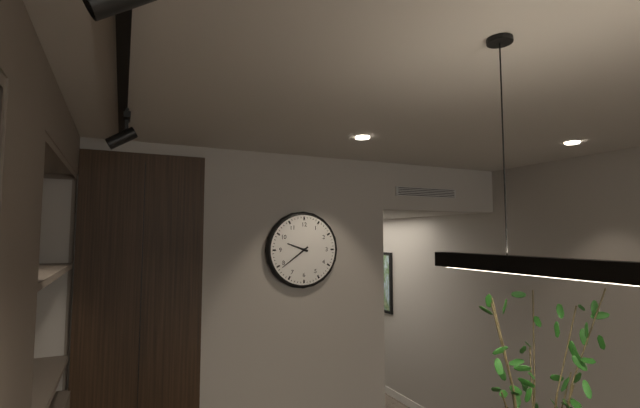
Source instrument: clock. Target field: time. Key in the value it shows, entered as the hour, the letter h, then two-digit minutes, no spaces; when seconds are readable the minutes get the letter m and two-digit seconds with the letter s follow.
9h39
